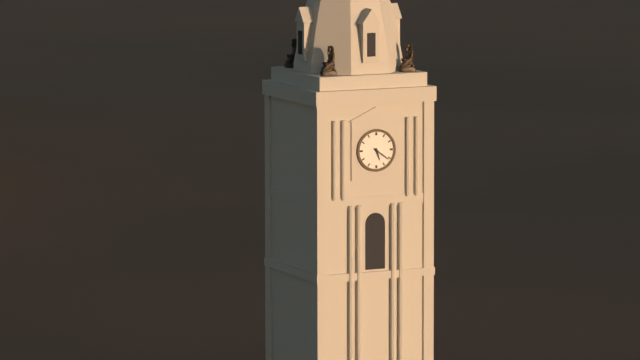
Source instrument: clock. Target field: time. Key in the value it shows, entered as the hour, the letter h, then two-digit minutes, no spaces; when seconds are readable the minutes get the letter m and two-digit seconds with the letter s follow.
5h21
